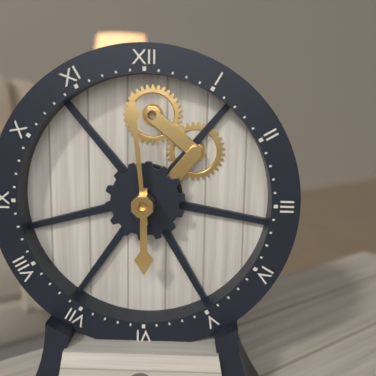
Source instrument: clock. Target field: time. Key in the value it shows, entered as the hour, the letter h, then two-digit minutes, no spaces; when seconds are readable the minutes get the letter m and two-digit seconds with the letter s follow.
5h59
